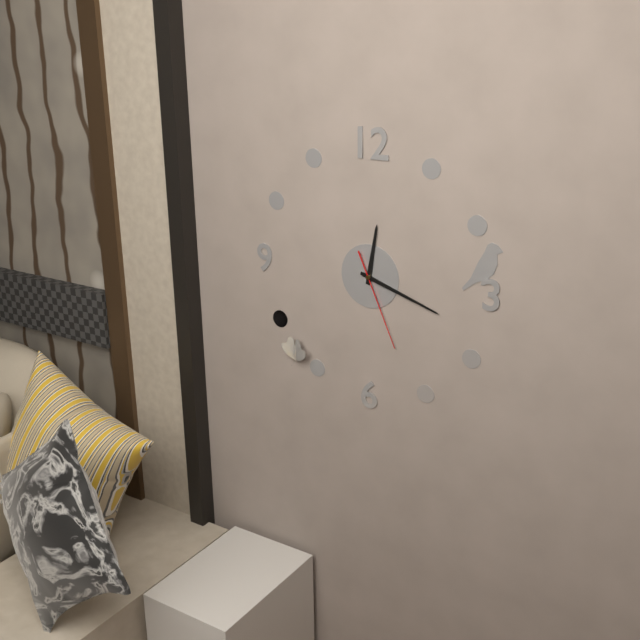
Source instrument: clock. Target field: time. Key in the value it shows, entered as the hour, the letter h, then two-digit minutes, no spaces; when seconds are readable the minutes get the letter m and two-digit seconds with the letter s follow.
12h18m26s
